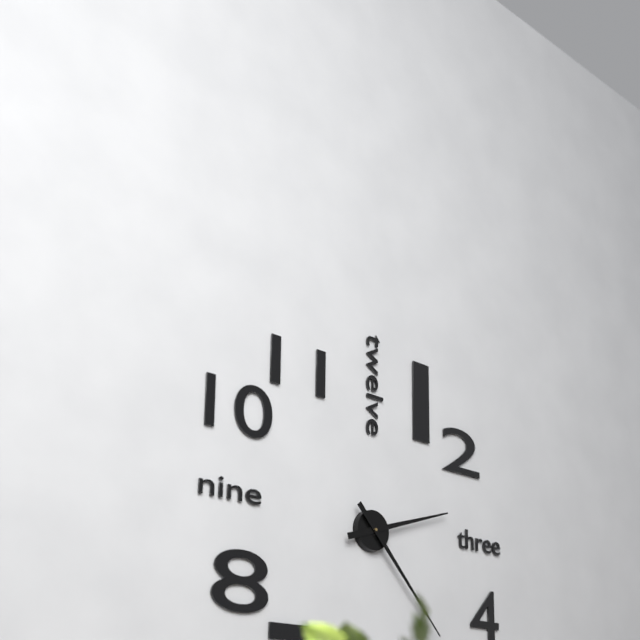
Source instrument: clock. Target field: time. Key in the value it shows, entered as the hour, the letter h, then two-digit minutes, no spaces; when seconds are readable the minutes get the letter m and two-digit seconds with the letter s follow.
2h23
